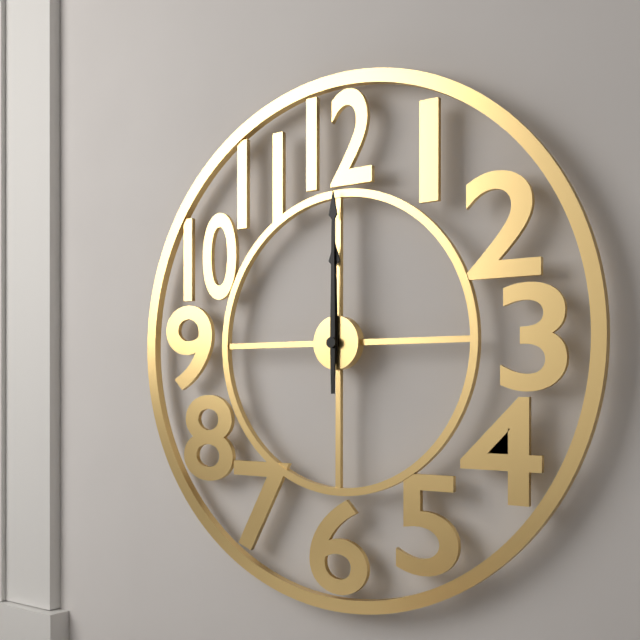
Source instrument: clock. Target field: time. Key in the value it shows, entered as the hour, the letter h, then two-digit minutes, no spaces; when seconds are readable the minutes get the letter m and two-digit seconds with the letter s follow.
12h00
